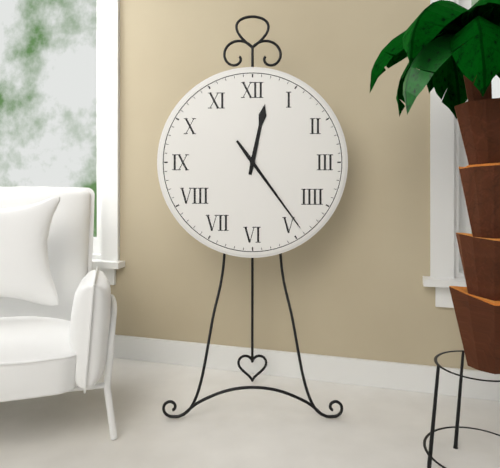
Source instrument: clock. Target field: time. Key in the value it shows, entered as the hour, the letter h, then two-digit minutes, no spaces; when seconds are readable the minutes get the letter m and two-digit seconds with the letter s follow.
12h24
